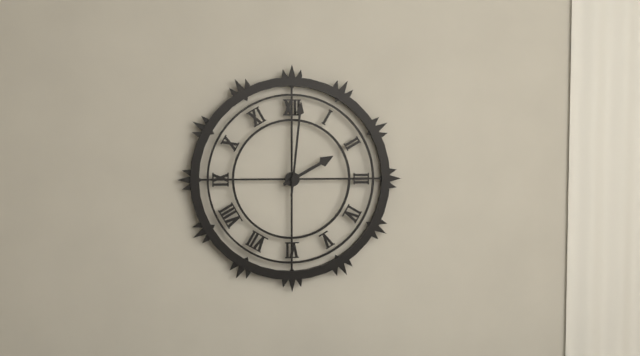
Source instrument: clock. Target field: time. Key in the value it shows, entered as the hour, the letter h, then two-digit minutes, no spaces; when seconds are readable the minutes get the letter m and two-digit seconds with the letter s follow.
2h01
